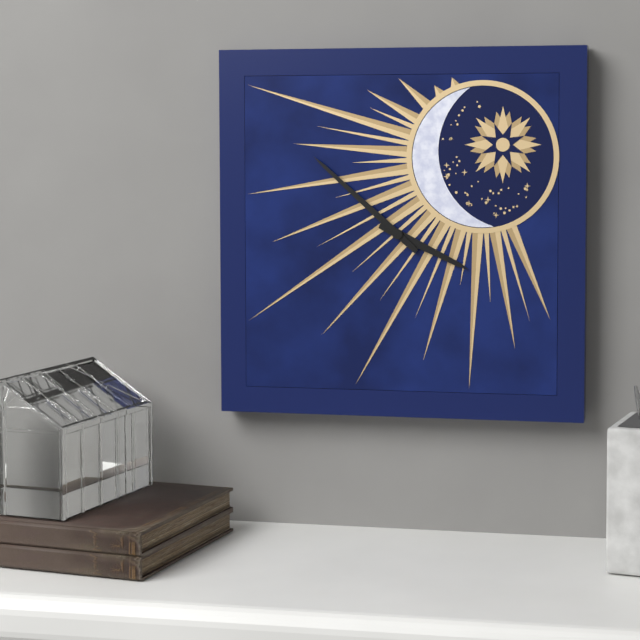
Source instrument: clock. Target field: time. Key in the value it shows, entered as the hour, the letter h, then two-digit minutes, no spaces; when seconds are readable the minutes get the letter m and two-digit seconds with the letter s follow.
3h52
